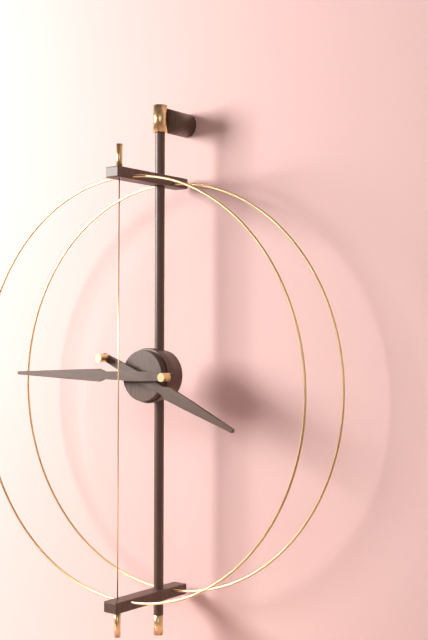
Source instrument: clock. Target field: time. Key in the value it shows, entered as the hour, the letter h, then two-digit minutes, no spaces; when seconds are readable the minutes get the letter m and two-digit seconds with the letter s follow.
3h45
